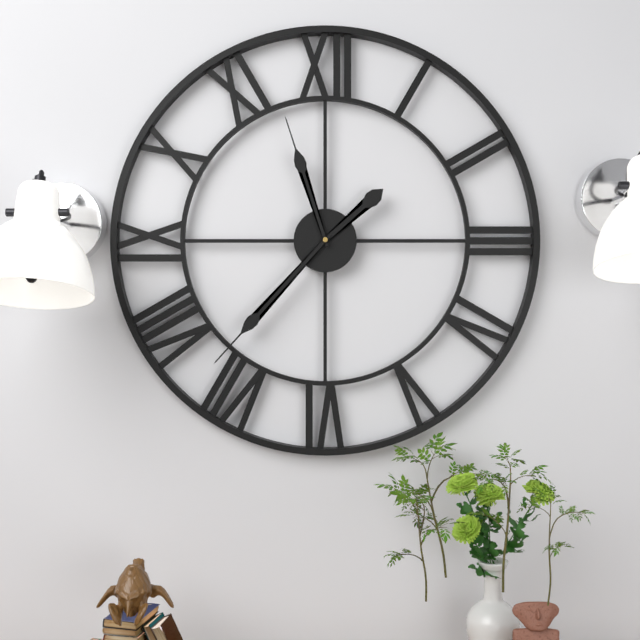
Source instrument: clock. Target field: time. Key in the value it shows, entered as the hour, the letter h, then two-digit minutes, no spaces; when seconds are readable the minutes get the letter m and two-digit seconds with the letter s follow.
1h37m57s
